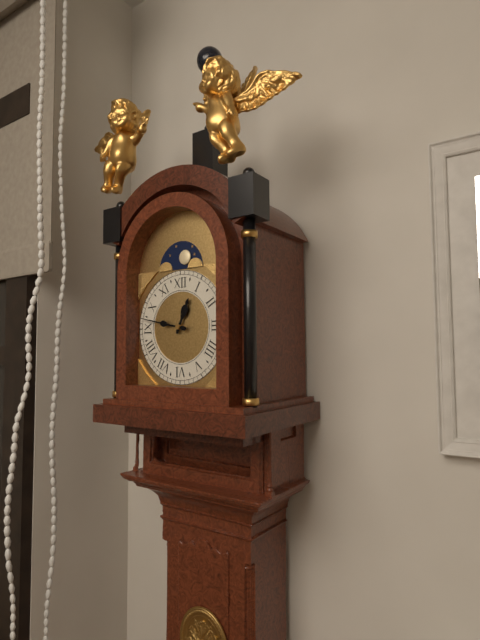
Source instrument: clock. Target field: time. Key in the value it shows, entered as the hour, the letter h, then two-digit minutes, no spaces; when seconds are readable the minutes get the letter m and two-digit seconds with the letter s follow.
12h47
